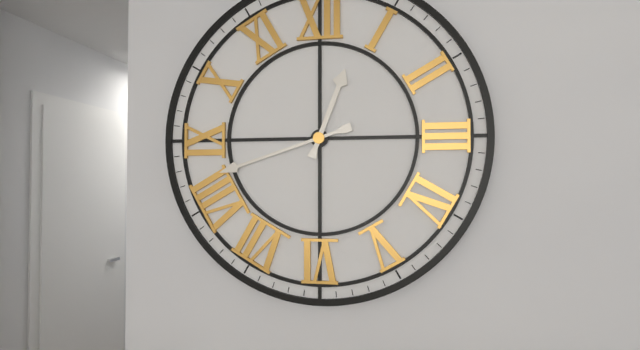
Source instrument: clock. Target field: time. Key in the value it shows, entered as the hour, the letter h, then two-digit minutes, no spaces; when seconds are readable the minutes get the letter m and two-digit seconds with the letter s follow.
12h42
